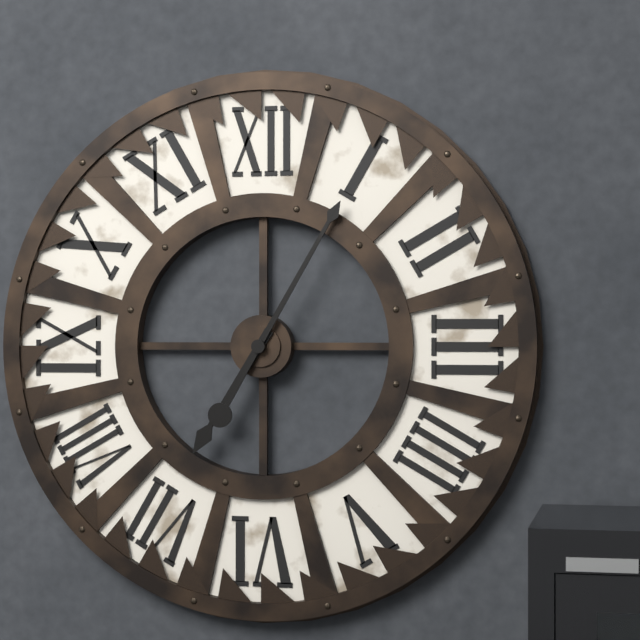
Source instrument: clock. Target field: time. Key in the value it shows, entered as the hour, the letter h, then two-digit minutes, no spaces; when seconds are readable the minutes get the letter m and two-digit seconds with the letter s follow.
7h05
